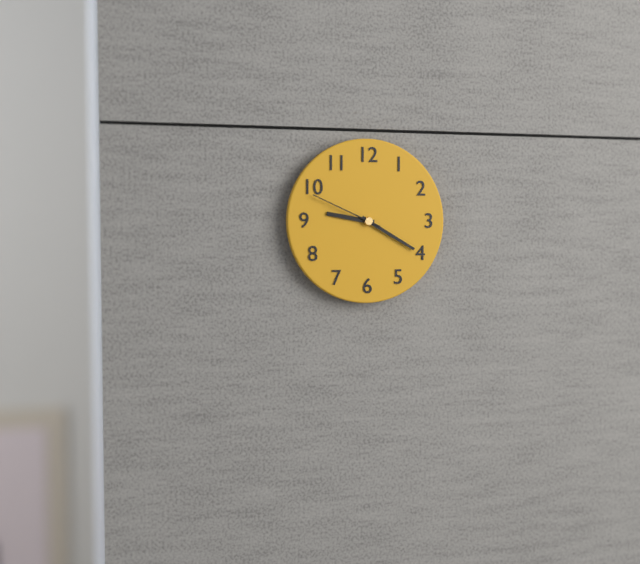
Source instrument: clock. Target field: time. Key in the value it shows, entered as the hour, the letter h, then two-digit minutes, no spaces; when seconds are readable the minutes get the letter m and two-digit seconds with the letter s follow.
9h20m49s
